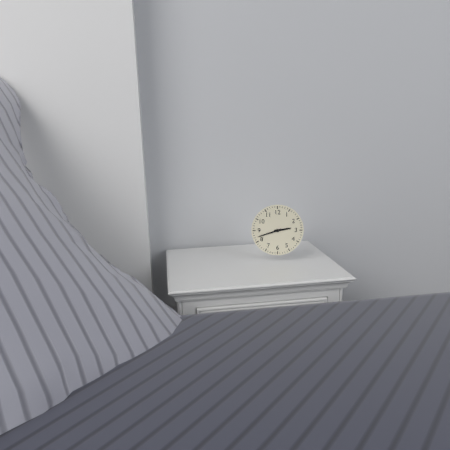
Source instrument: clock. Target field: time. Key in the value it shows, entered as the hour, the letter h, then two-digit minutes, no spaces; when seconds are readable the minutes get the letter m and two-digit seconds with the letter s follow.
2h42
